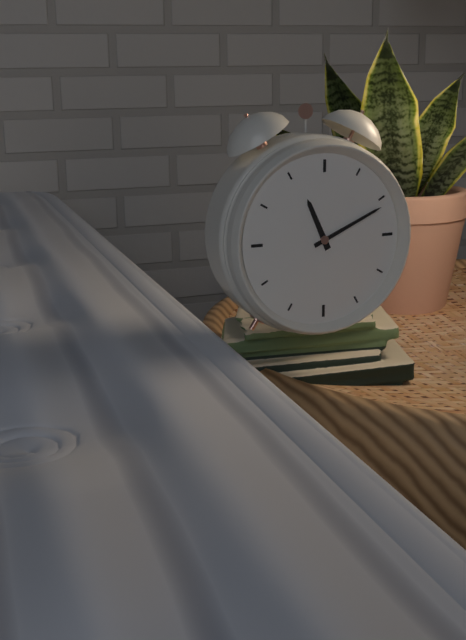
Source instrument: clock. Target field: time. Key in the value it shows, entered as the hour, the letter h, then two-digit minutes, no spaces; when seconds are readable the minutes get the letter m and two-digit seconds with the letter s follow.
11h11
